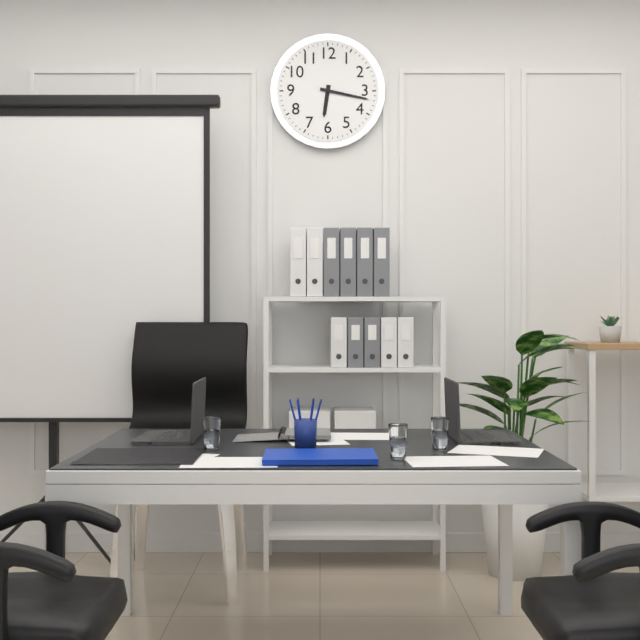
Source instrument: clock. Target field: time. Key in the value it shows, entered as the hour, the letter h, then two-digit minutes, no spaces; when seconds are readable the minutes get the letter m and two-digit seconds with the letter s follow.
6h17
